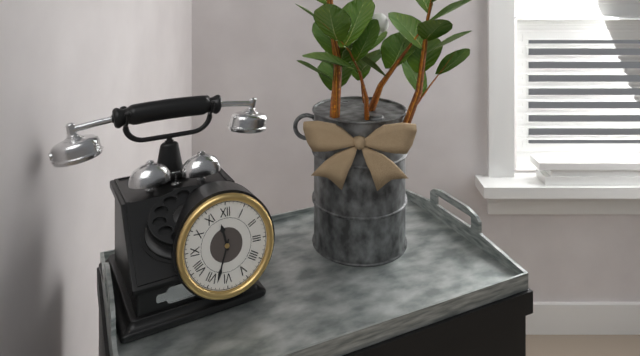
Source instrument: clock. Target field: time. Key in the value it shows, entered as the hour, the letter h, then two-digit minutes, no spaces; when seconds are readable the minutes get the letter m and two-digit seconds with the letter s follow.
11h33
